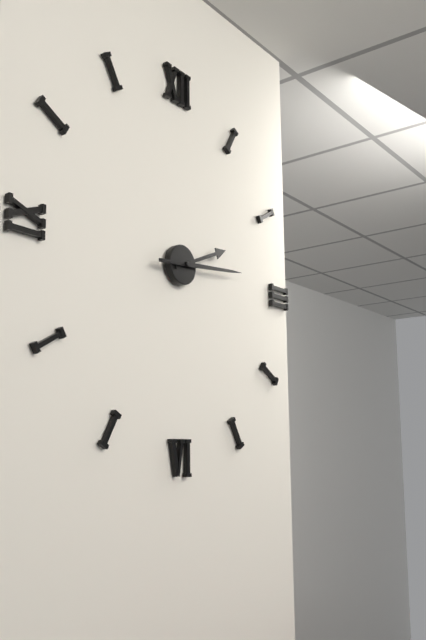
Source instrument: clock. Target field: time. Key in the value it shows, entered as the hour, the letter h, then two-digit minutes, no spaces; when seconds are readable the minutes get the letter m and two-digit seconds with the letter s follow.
2h14
